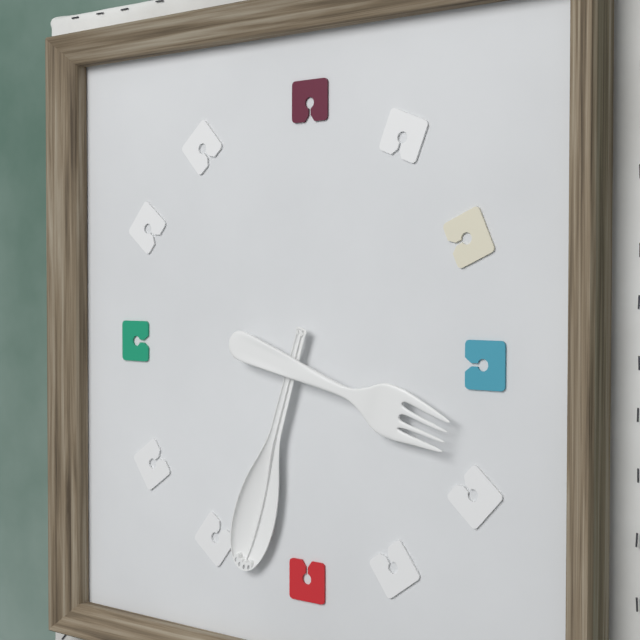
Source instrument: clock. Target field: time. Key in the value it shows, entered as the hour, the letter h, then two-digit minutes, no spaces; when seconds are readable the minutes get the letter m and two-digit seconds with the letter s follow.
3h33
